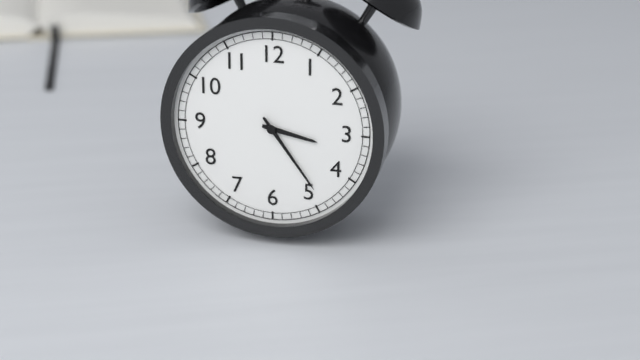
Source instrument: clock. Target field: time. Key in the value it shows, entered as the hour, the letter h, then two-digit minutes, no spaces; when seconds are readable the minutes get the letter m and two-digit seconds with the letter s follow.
3h24
